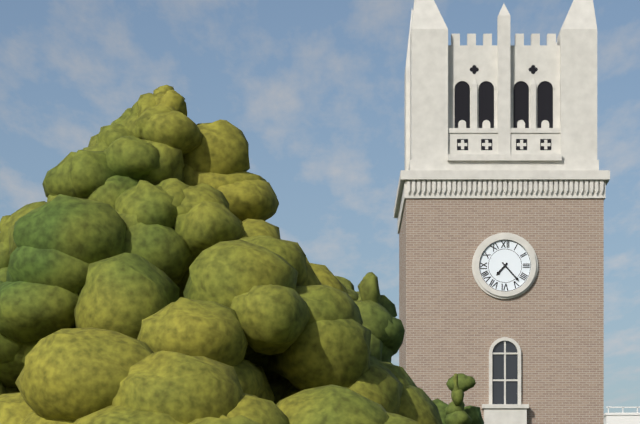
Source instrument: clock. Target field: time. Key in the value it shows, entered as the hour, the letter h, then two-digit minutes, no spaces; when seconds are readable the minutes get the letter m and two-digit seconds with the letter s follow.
7h23
